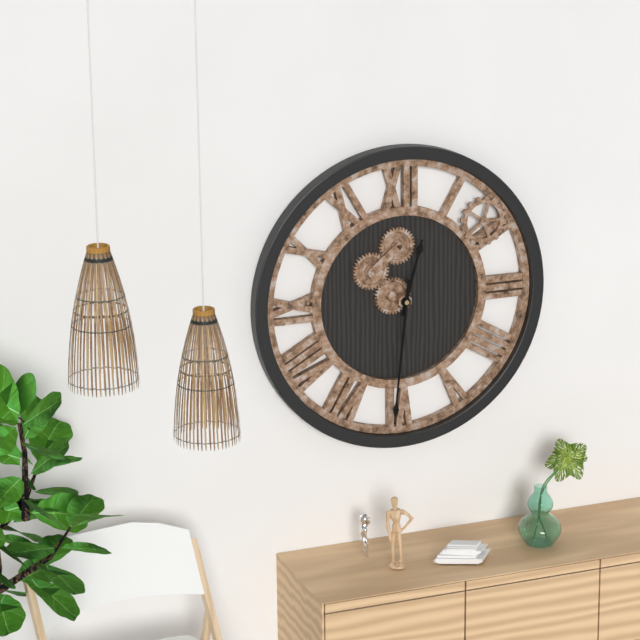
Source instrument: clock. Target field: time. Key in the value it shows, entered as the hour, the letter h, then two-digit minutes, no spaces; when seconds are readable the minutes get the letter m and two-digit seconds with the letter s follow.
12h31
